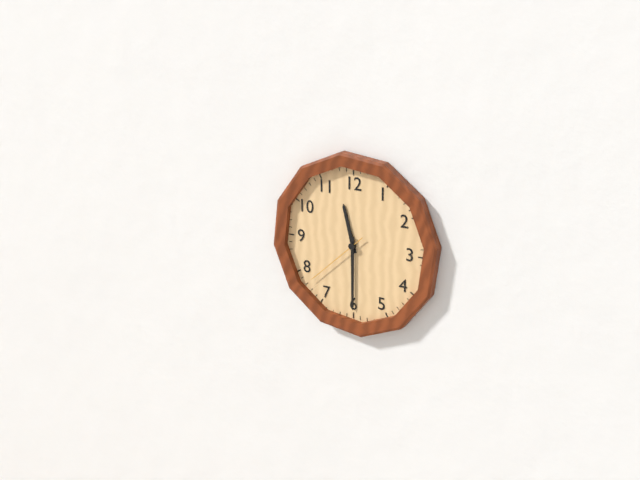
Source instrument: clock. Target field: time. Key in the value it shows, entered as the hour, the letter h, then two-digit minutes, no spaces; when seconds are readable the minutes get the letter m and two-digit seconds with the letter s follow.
11h30m38s
